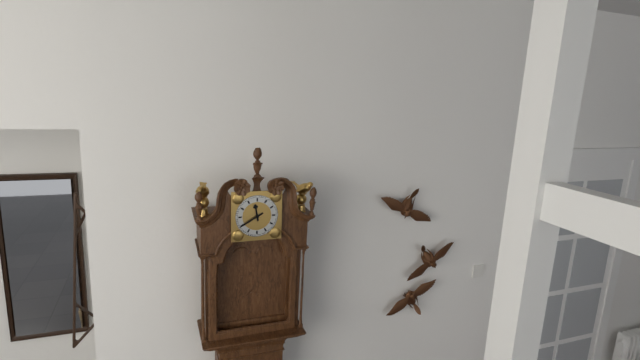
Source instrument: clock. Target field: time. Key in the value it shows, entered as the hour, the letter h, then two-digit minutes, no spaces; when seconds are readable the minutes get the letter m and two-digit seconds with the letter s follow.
11h40
